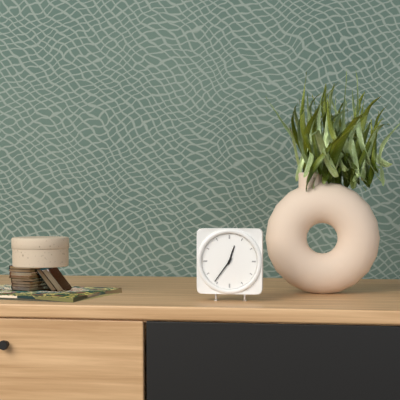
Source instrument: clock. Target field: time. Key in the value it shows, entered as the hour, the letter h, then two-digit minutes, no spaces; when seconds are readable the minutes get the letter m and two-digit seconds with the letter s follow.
12h36
